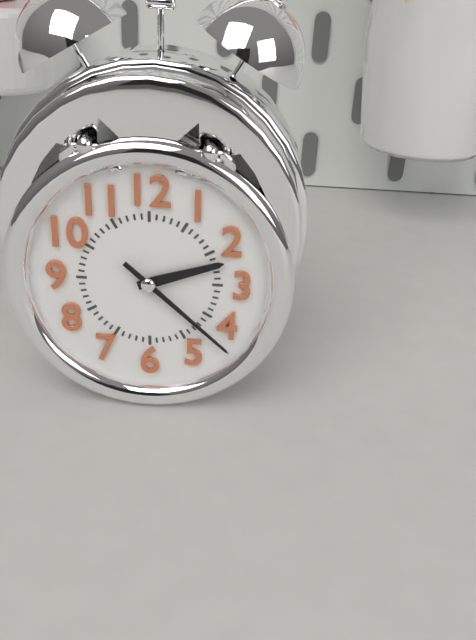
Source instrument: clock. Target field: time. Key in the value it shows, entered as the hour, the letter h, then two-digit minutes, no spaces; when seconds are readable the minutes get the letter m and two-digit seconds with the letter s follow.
2h22
